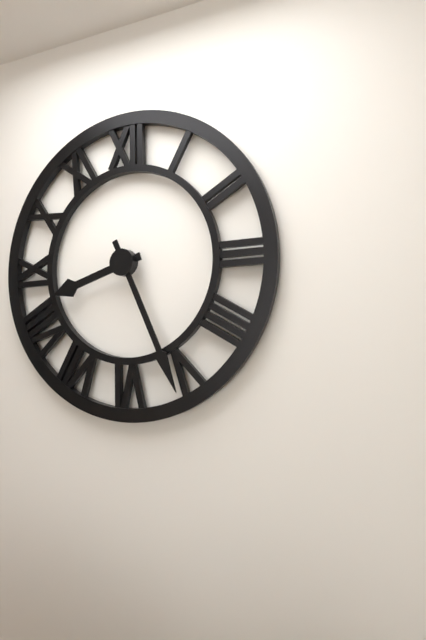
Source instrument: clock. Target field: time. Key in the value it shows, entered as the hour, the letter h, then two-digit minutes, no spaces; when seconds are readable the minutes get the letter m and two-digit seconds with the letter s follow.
8h26
